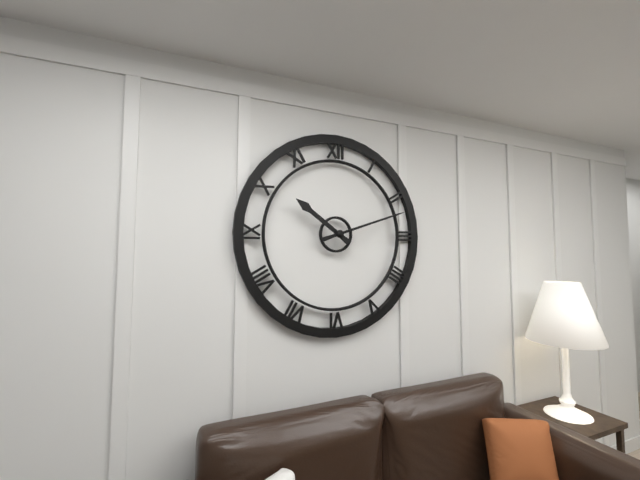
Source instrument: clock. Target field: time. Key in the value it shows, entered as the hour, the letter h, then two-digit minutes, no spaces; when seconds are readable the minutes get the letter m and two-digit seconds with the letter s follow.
10h12
